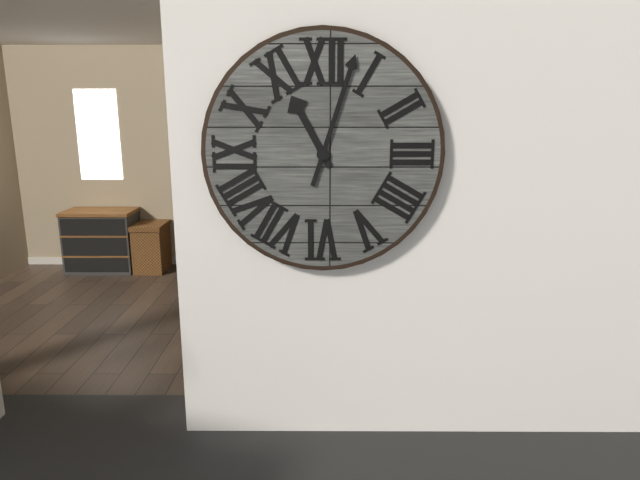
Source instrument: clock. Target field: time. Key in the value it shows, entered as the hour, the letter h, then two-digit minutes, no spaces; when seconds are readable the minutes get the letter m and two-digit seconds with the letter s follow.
11h03
